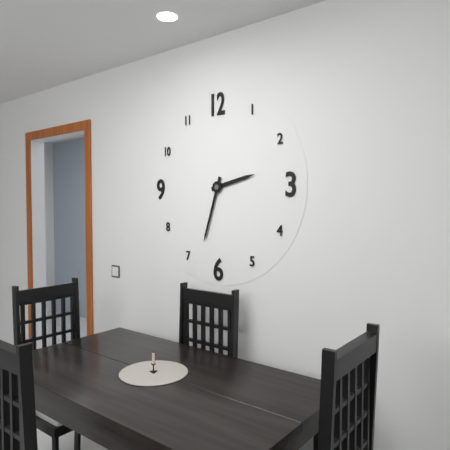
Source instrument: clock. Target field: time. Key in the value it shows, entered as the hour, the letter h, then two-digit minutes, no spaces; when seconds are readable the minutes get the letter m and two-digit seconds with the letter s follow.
2h33
